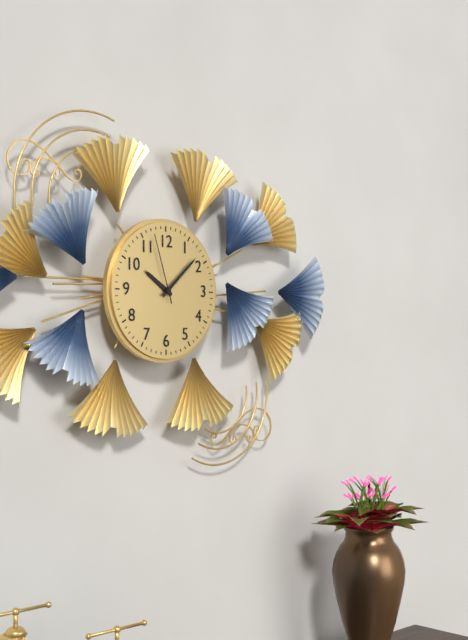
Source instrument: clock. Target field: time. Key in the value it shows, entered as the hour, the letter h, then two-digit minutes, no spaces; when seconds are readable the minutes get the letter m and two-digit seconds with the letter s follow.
10h08m57s
